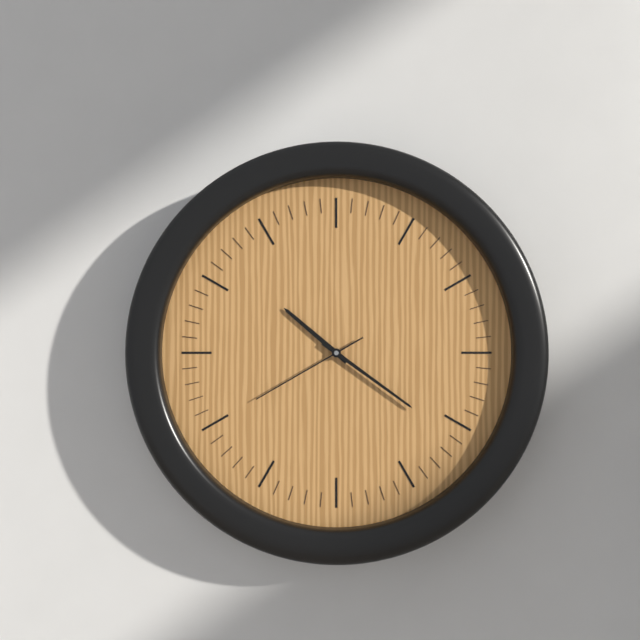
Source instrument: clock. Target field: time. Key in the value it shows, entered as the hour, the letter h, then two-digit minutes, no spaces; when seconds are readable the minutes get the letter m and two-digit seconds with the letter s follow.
10h21m40s
